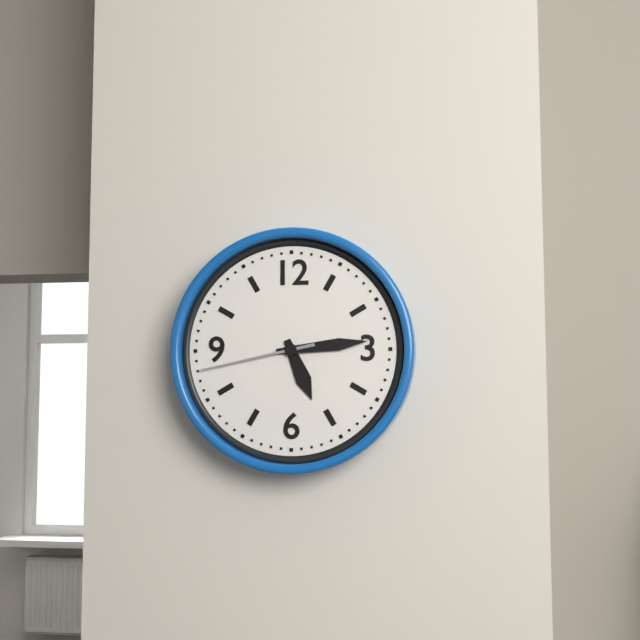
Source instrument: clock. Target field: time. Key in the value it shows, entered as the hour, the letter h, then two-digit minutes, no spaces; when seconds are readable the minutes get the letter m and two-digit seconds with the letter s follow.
5h14m43s
